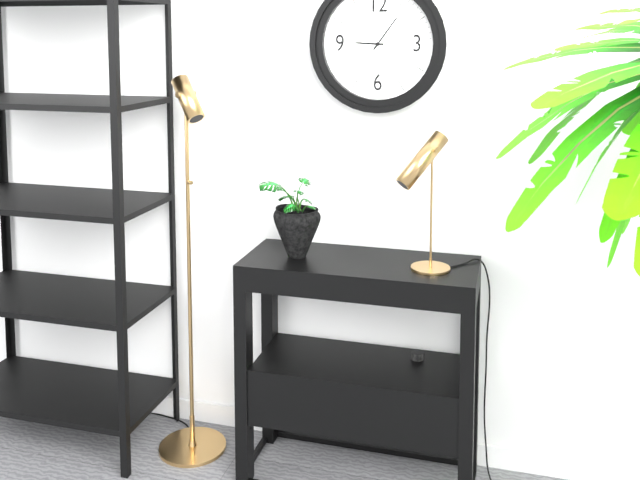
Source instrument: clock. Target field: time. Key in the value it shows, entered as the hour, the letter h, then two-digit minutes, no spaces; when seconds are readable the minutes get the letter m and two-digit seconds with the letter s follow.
9h06
